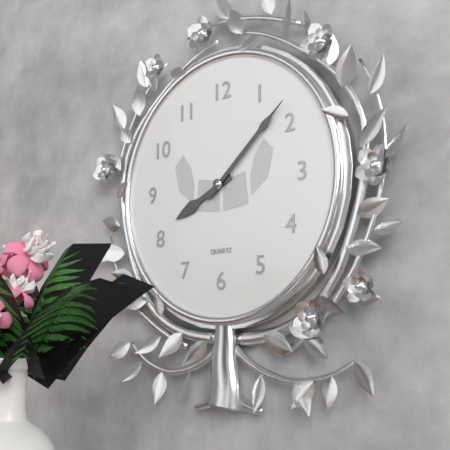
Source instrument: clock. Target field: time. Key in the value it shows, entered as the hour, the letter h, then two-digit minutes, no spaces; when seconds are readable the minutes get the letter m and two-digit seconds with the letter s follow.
8h08
